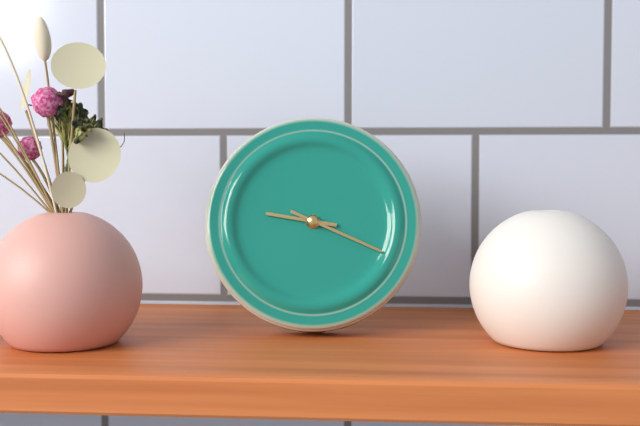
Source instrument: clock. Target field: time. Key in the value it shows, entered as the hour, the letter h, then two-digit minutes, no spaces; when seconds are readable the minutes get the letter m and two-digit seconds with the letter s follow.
9h19
